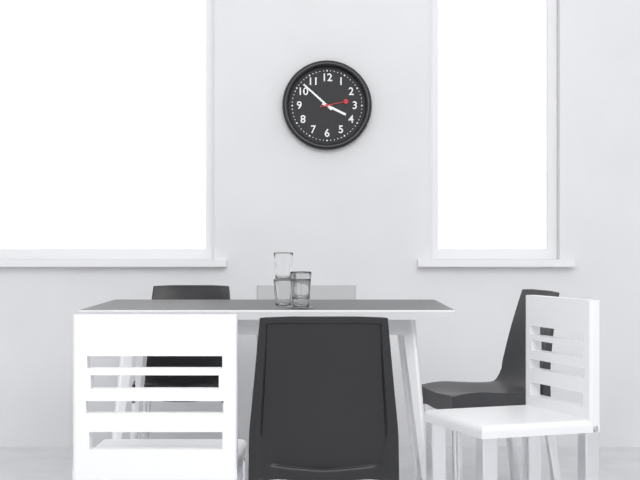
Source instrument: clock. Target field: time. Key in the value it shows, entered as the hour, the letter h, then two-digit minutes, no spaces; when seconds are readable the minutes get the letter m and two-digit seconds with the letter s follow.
3h52
